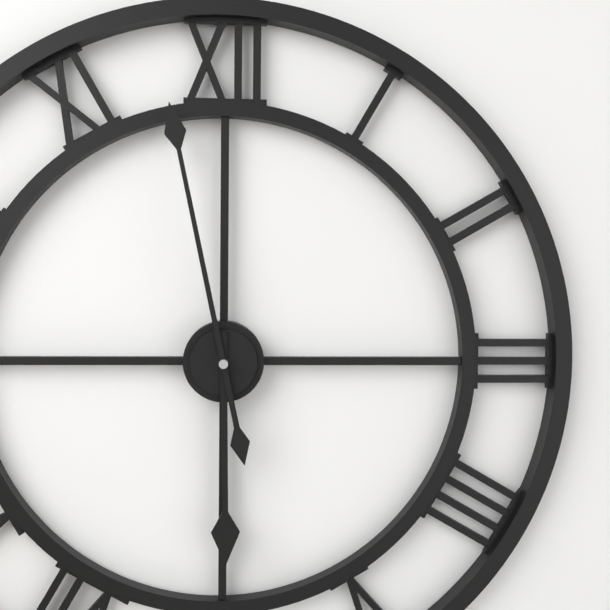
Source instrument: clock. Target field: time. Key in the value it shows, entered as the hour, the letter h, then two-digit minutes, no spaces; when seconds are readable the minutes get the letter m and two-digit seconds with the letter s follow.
5h58
